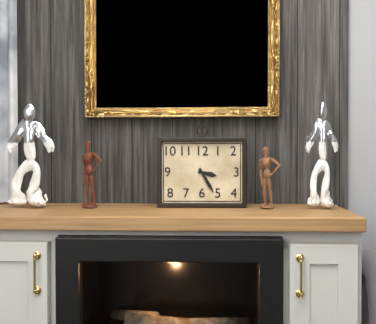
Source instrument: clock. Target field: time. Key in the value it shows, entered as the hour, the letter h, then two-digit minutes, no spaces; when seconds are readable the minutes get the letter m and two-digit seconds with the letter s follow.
3h25
